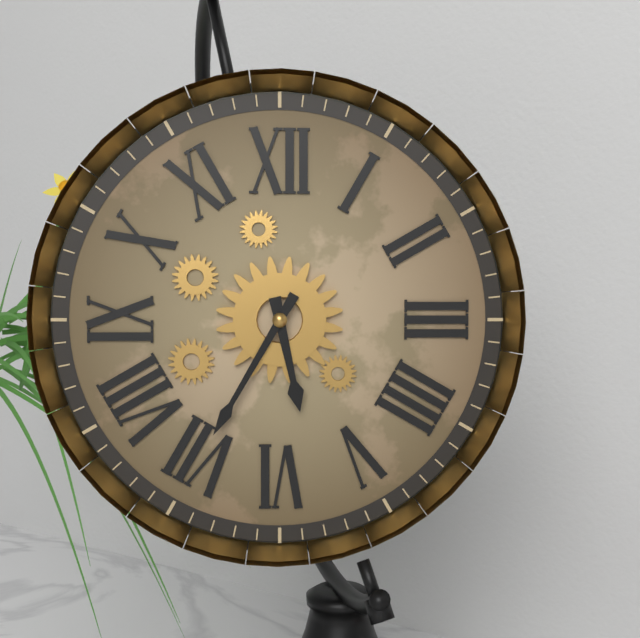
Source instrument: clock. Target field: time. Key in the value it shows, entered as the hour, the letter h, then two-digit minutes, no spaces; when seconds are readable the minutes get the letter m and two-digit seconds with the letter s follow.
5h35
